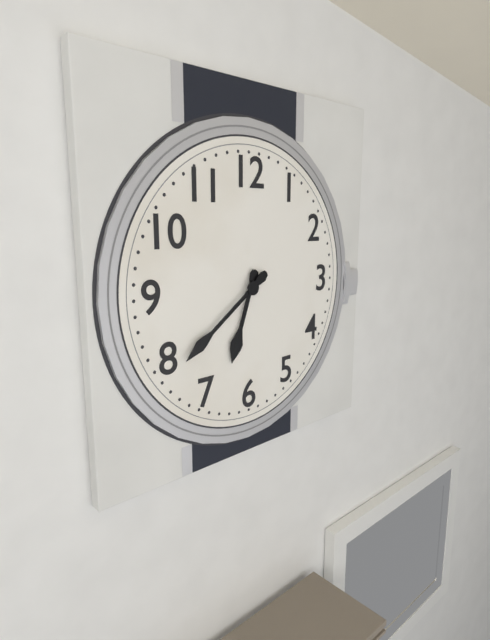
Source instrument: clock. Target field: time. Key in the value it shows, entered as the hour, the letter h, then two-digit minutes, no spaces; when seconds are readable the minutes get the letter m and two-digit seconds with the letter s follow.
6h39
